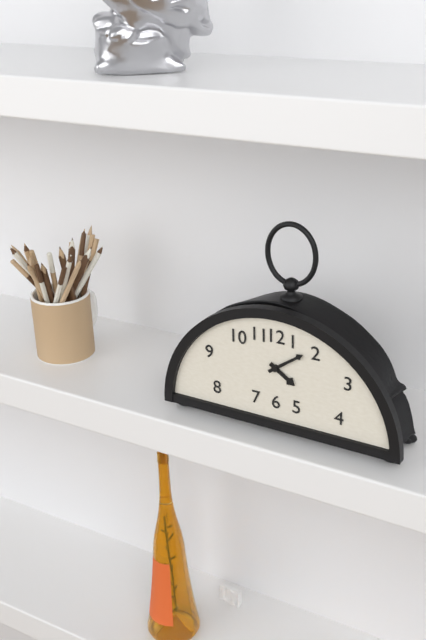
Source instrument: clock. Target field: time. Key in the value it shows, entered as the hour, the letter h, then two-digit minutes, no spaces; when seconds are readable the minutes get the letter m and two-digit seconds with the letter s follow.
4h09
